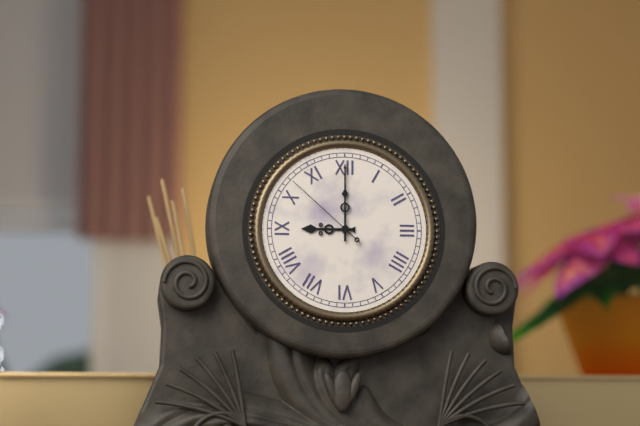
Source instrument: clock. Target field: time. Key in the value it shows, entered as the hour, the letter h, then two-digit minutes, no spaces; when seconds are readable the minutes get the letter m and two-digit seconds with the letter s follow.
9h00m52s
